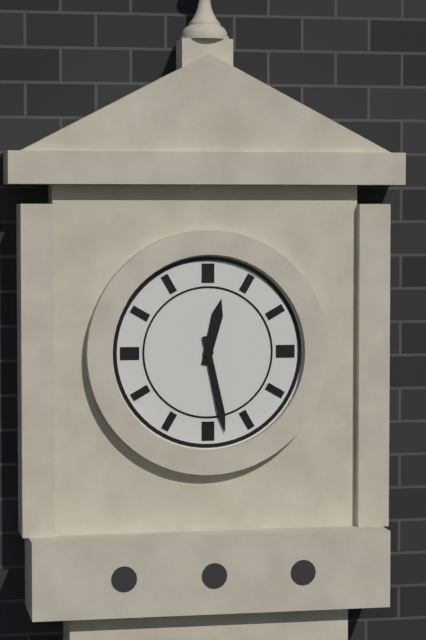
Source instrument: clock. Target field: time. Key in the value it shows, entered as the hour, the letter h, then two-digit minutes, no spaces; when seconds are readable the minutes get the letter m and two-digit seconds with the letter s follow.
12h28
